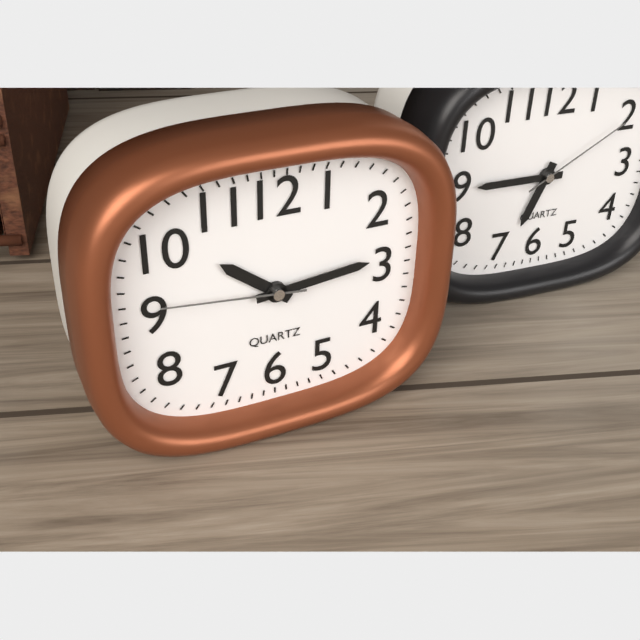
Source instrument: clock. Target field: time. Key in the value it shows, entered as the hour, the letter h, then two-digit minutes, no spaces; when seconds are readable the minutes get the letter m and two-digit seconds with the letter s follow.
10h14m46s
